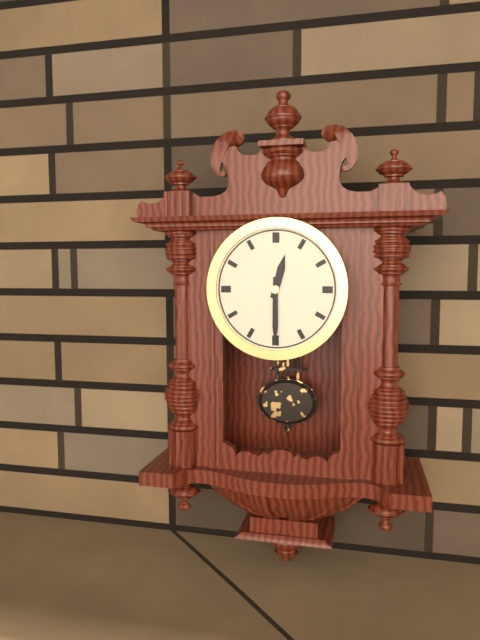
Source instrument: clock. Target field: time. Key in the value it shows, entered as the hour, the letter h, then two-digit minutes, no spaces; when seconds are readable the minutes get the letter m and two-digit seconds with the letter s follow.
12h30
